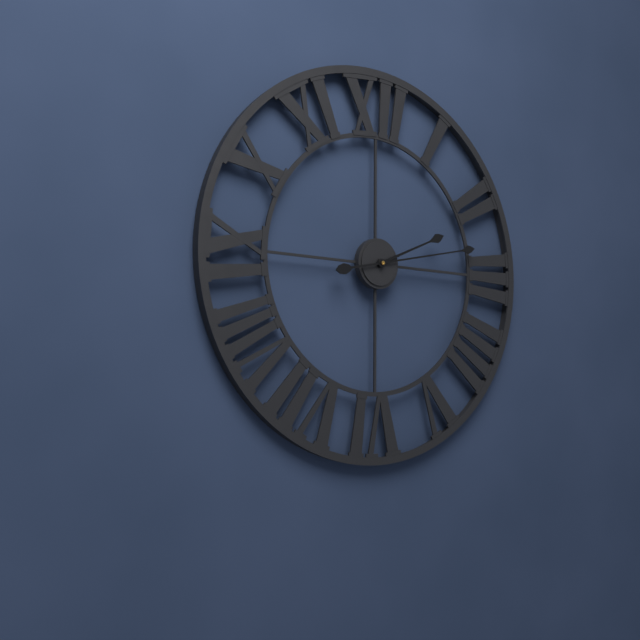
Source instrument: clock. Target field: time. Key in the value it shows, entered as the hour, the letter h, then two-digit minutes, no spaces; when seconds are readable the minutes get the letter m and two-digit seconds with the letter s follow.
2h13
